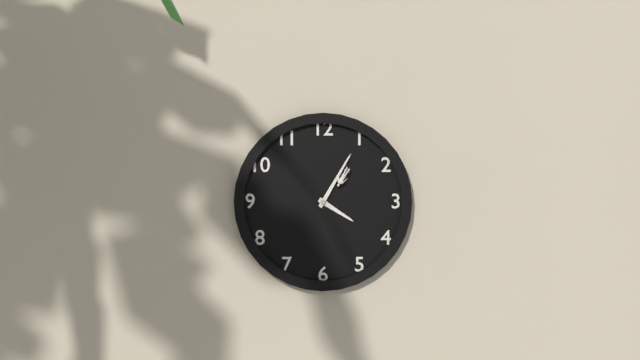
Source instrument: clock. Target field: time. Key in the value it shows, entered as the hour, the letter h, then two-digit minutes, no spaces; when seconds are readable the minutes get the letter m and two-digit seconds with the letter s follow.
4h05
